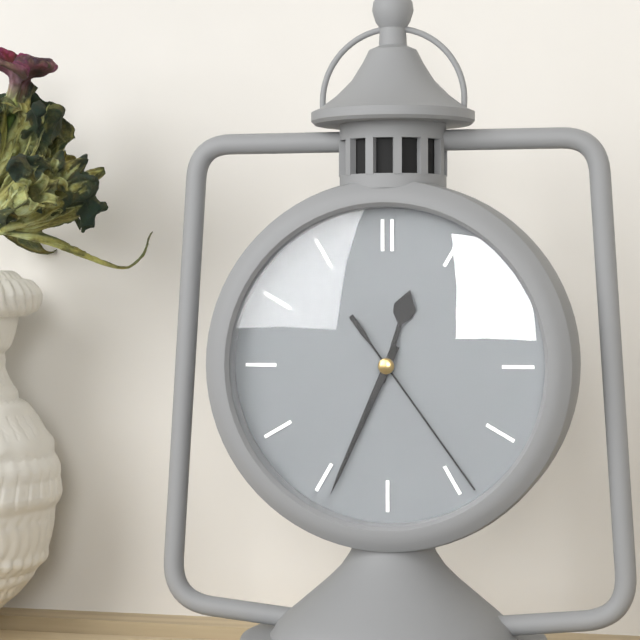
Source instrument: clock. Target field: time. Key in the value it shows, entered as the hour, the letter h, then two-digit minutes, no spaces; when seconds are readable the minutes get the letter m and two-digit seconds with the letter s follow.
12h34m24s
